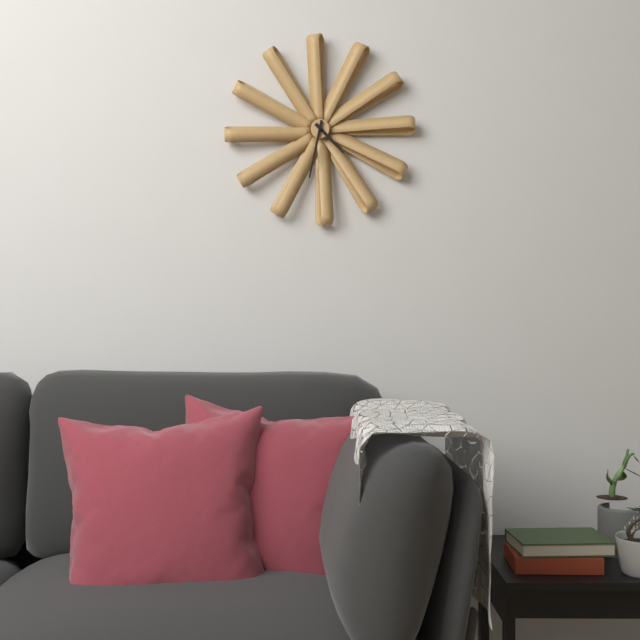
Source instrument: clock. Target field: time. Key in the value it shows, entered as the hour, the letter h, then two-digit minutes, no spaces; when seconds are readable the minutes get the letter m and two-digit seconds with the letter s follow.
4h32
